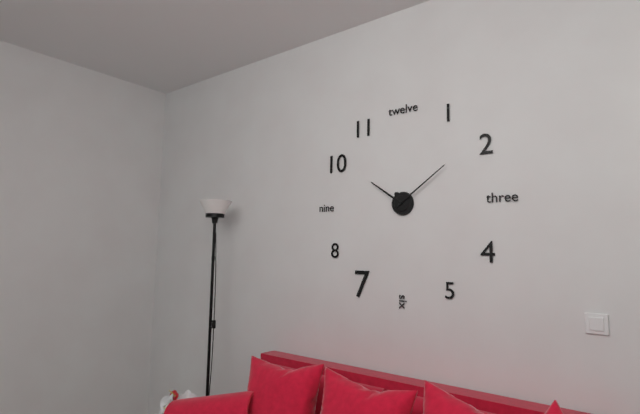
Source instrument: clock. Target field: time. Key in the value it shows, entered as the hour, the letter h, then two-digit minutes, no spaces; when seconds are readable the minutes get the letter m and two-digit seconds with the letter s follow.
10h09
